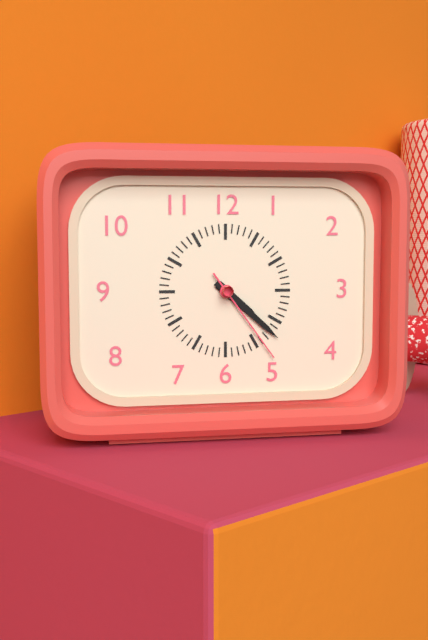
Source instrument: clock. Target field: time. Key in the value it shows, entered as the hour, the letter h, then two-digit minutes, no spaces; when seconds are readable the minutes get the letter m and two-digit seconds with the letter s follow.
4h22m24s
